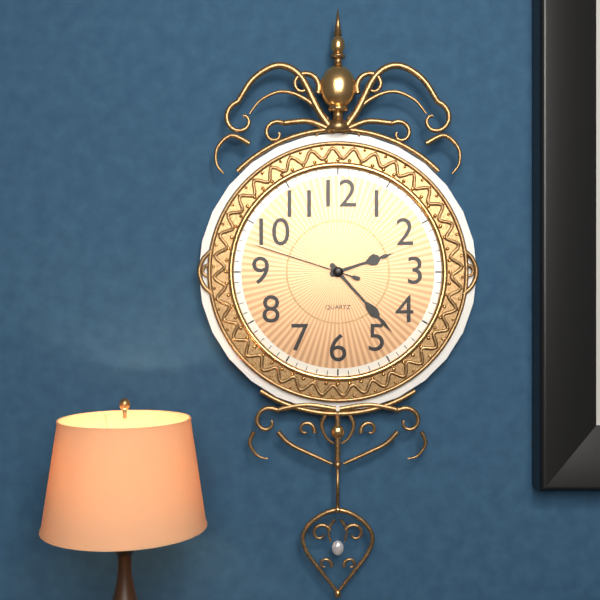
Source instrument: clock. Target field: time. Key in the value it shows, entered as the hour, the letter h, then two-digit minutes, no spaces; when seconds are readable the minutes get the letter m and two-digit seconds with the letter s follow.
2h23m48s
